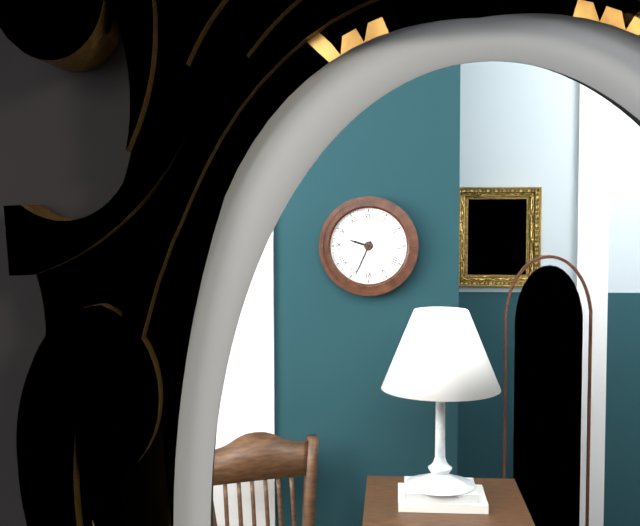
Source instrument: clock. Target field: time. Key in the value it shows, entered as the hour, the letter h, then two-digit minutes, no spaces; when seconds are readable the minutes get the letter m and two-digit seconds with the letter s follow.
9h34
